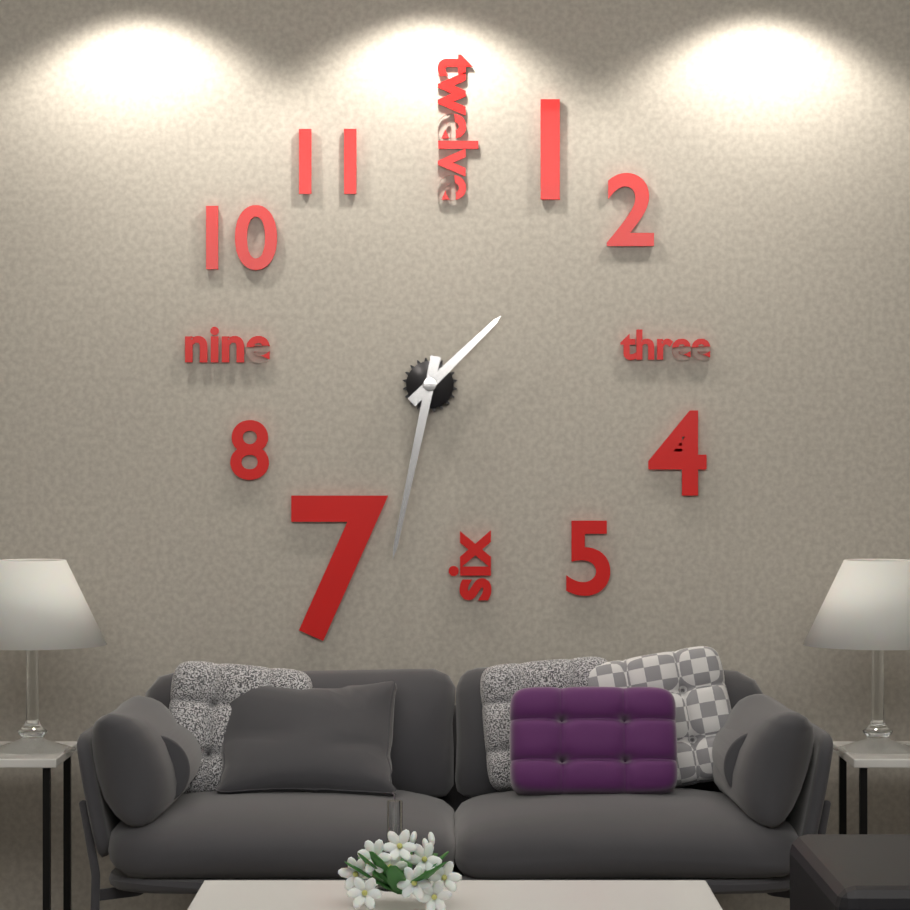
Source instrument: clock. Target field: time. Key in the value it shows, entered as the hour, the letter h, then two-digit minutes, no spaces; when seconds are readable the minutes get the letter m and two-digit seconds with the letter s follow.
1h32
